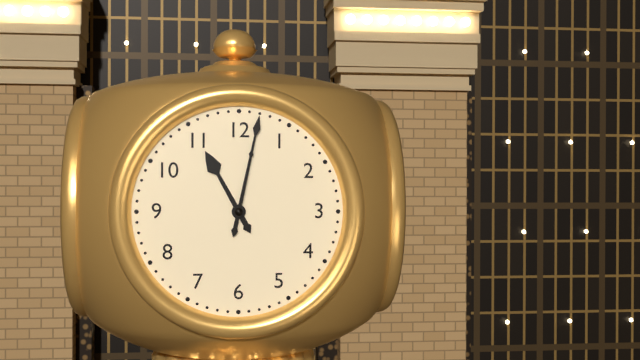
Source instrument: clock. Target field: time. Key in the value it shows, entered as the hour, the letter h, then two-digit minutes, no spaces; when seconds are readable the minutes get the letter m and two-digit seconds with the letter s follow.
11h02
